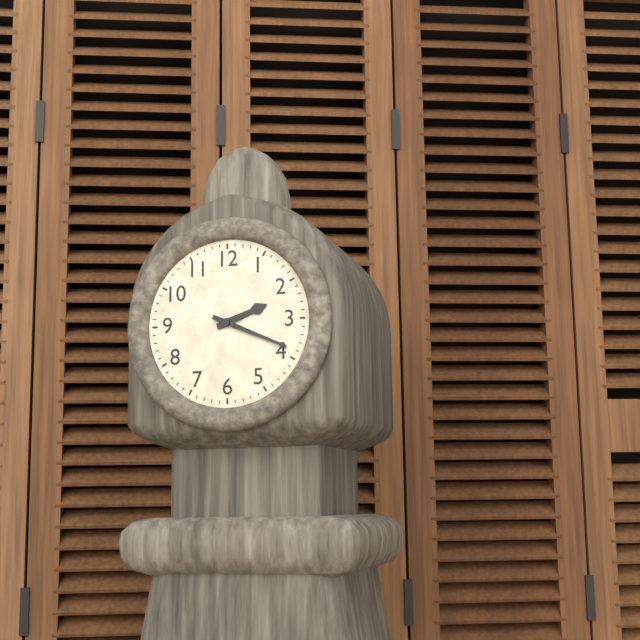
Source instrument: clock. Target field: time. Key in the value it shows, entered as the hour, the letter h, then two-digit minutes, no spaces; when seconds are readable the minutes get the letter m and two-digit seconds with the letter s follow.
2h19
